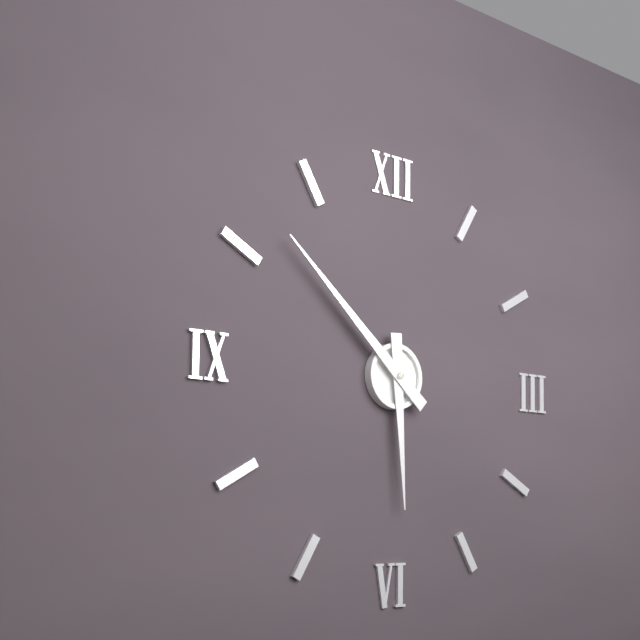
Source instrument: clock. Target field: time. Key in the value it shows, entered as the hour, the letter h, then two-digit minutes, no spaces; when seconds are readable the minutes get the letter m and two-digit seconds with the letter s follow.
5h52
